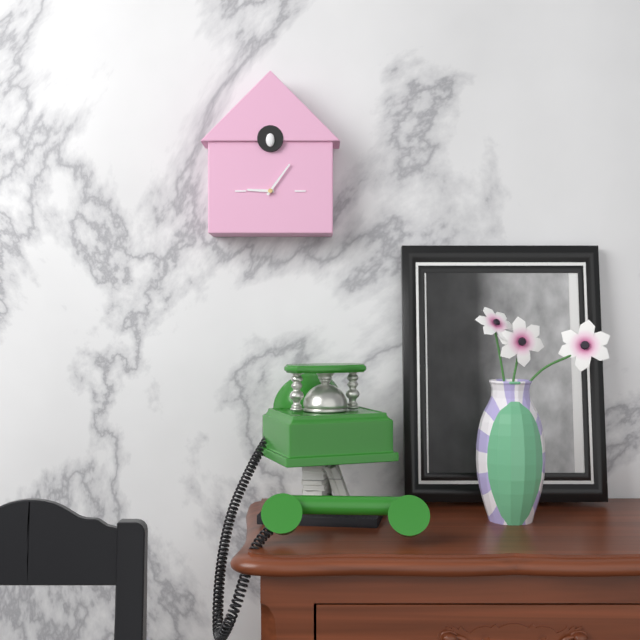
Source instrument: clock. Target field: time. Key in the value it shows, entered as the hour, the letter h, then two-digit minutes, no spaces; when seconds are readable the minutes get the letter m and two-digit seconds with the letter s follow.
9h06
